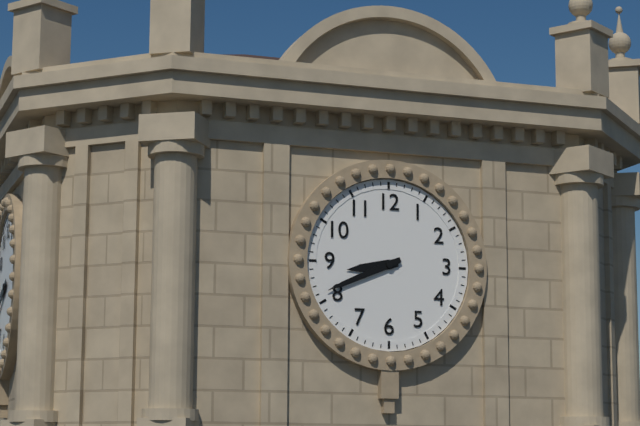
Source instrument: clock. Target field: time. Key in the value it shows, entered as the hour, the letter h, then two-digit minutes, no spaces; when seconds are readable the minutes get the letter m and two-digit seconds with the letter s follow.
8h41
